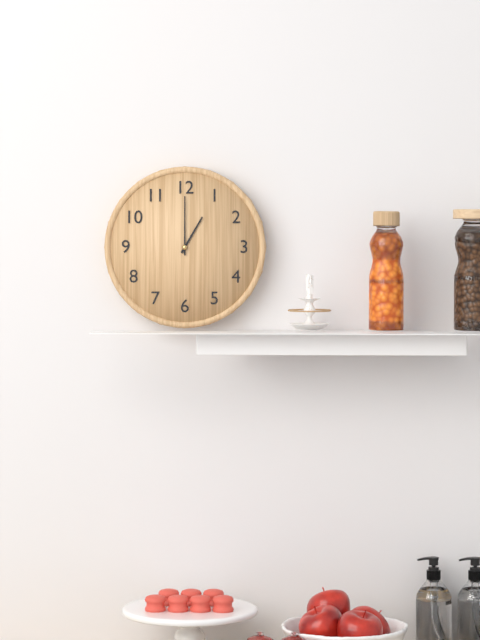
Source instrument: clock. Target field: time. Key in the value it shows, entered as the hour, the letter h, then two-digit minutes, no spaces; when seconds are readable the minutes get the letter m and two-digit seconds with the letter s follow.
1h00
